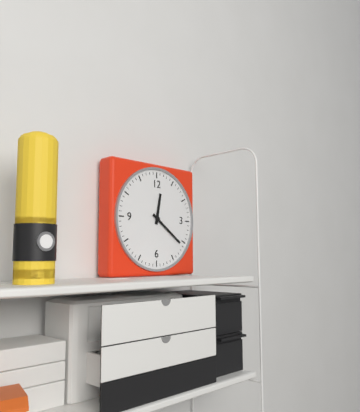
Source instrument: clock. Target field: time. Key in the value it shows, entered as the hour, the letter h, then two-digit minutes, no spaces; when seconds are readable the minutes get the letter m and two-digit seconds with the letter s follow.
12h21
